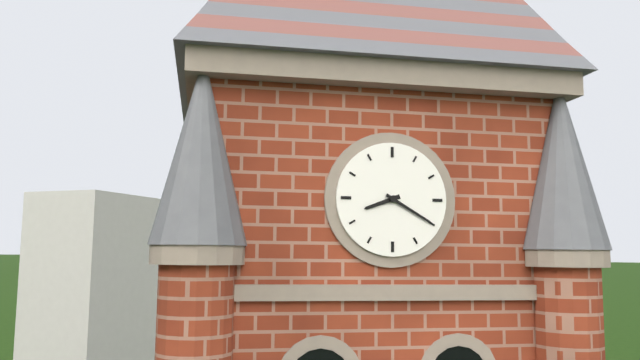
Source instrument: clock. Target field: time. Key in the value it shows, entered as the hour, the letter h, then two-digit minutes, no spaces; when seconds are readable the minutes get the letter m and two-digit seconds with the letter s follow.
8h20
